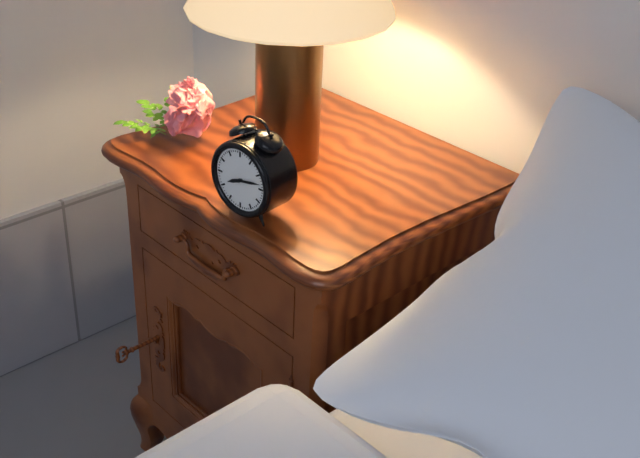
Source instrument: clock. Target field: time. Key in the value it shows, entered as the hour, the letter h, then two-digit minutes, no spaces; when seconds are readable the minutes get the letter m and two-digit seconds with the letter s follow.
8h13
